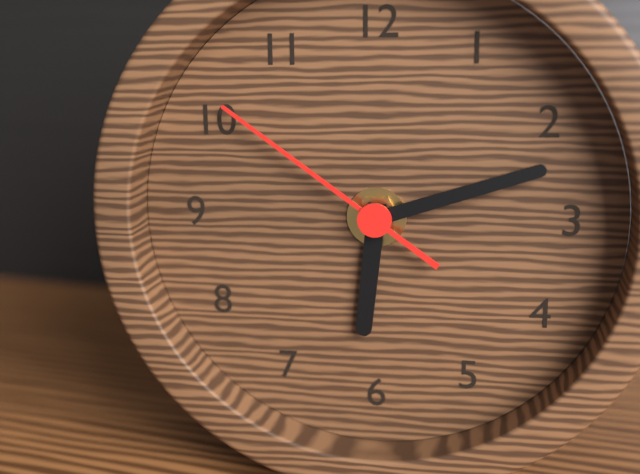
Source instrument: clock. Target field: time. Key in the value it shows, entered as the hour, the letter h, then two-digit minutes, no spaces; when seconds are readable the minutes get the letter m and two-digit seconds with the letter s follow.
6h12m51s
